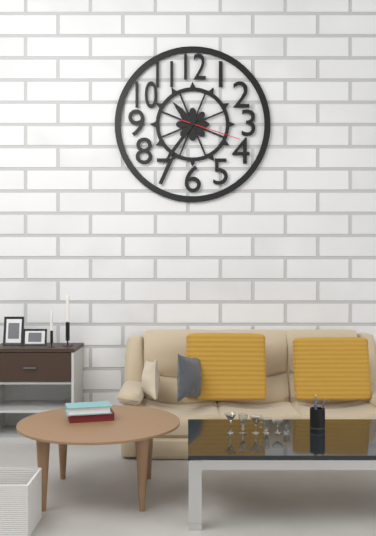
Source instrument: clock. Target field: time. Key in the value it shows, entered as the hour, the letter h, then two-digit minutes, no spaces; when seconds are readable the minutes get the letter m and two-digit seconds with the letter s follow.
10h36m18s
